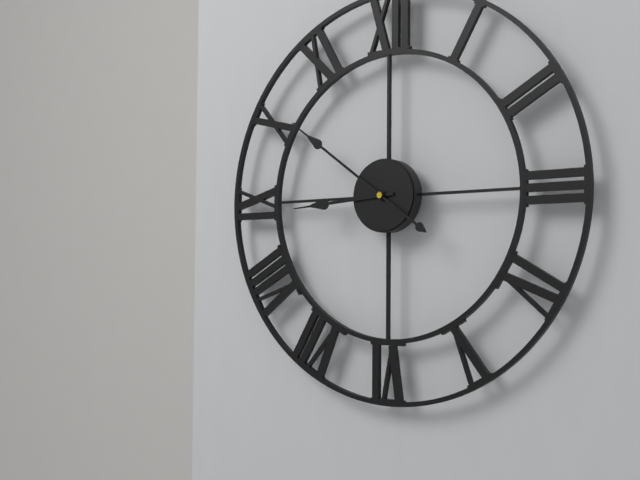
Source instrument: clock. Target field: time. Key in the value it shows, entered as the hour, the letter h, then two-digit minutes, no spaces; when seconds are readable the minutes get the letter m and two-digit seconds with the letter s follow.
8h51
